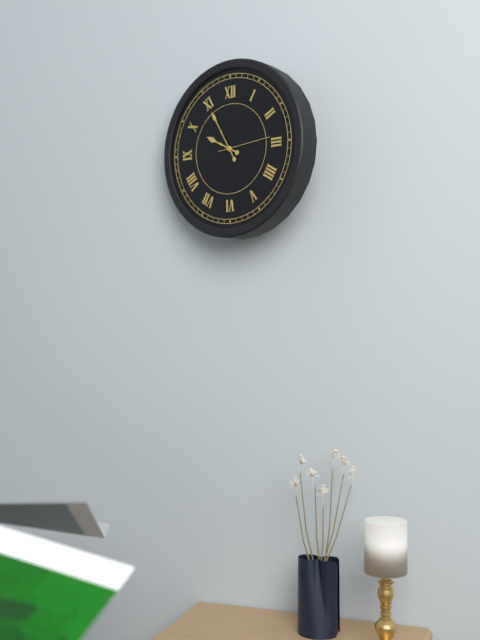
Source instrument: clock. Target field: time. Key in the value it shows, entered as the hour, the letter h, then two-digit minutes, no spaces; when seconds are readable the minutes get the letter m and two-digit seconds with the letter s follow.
9h55m14s
